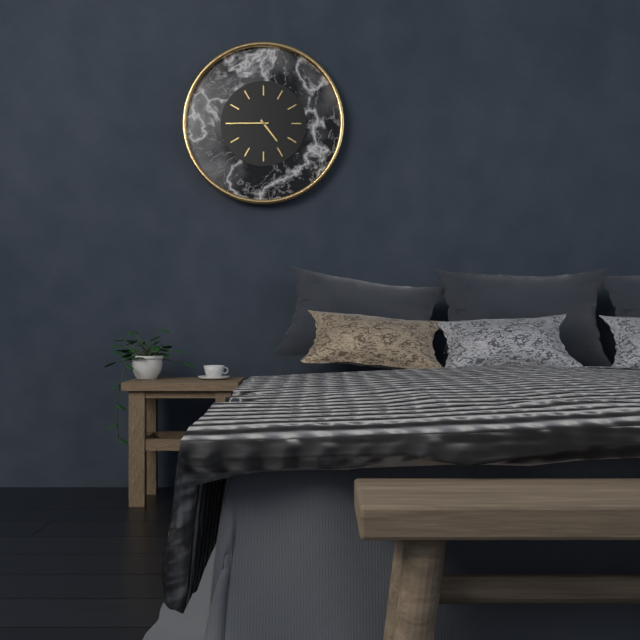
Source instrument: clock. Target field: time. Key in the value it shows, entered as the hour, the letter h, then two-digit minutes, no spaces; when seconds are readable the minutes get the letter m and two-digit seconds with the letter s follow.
4h45
